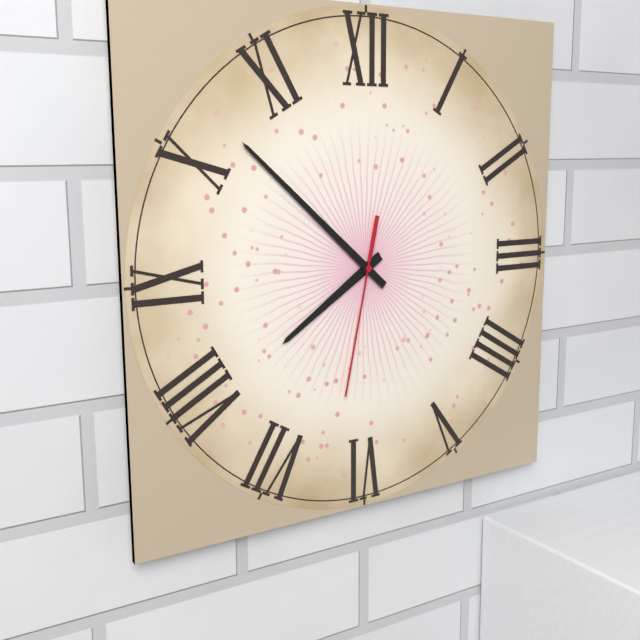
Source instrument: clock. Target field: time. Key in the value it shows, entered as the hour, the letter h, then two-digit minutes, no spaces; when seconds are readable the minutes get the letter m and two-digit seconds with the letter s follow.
7h52m32s
